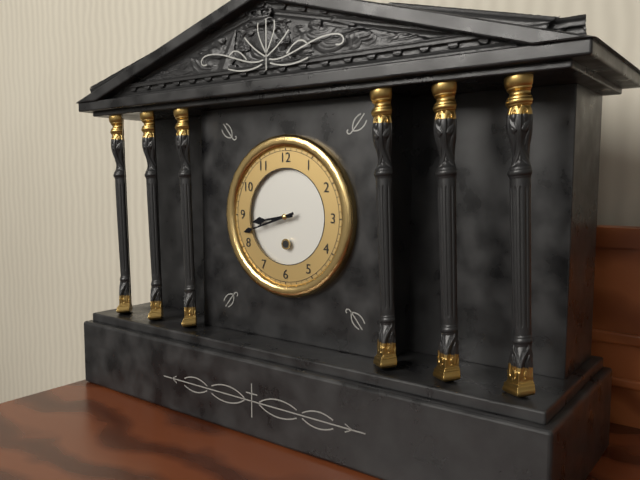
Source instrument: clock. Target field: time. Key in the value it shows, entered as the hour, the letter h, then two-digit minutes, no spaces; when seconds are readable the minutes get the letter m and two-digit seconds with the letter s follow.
8h42
